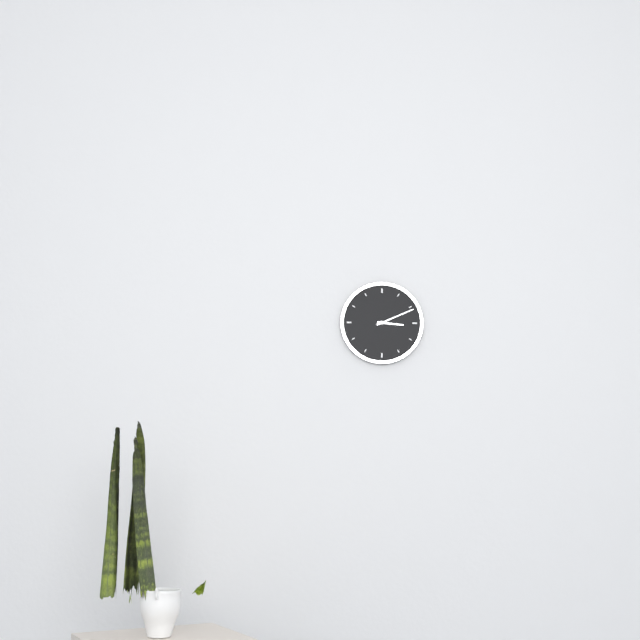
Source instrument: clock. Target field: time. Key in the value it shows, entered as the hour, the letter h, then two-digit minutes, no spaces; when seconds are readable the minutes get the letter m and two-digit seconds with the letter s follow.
3h11
